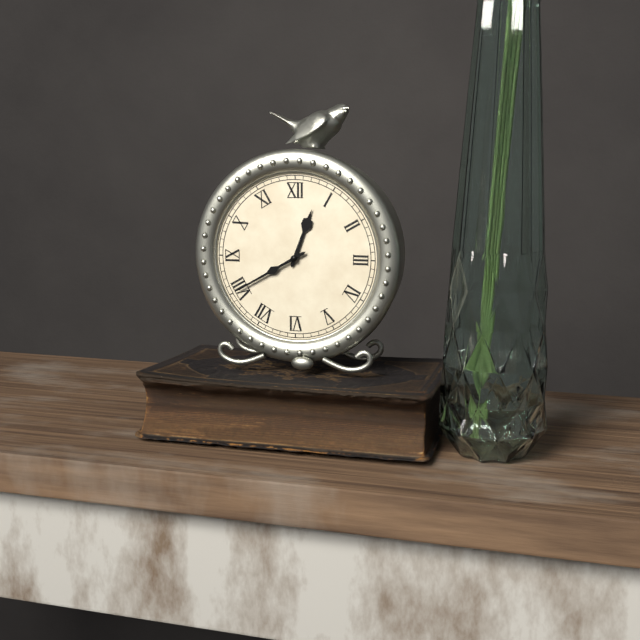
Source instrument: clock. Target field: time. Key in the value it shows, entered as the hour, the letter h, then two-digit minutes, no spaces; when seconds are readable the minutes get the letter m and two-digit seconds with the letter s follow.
12h40
